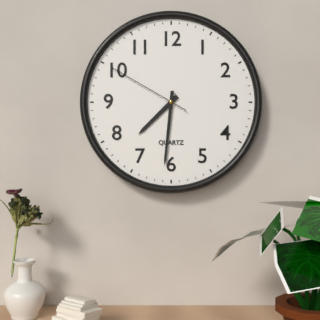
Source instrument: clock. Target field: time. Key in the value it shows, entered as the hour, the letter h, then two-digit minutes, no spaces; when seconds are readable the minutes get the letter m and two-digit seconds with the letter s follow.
7h31m50s
